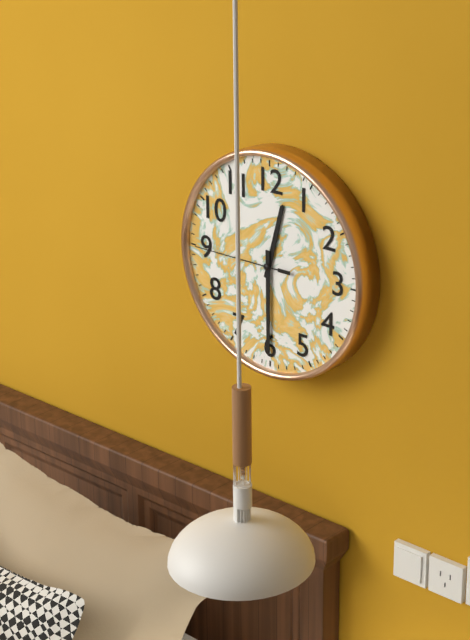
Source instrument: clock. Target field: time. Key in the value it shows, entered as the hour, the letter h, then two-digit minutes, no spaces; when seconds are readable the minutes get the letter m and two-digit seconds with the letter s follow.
12h30m45s
